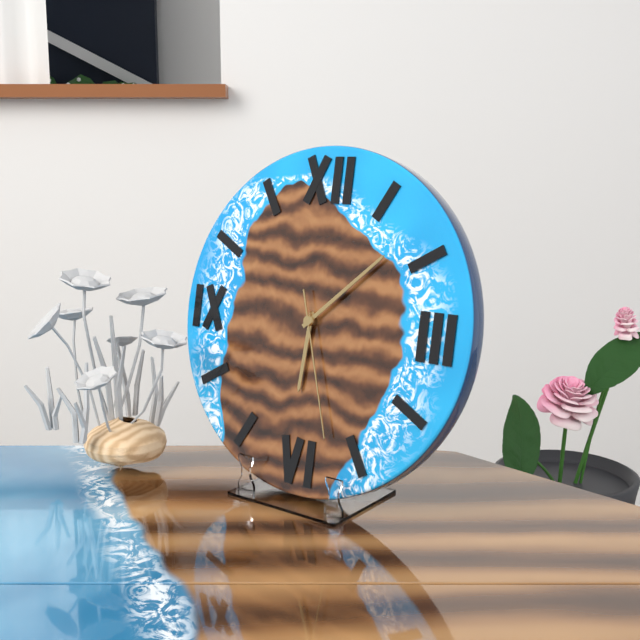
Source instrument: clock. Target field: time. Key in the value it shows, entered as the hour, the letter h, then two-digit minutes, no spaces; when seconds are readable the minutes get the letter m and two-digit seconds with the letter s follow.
6h08m27s
